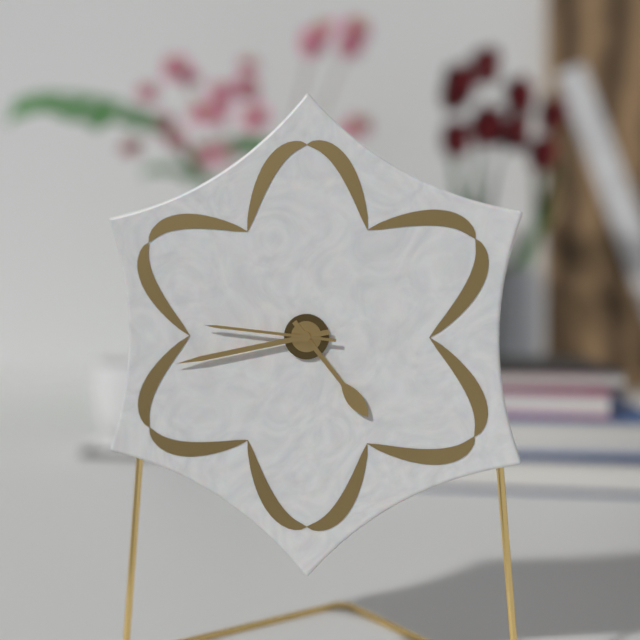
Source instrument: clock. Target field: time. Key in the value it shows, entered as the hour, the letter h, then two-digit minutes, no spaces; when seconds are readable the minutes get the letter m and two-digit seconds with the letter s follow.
4h43m46s
